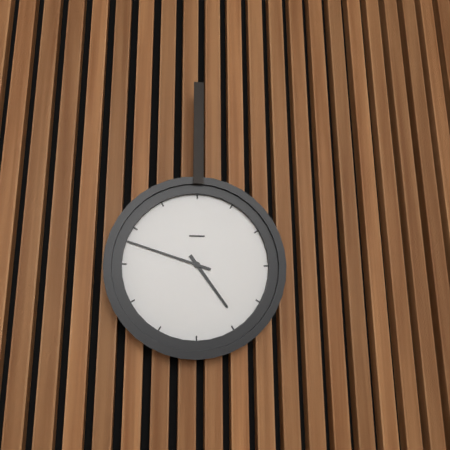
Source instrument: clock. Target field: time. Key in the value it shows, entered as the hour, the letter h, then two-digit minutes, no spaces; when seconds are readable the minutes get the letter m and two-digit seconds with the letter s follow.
4h48
